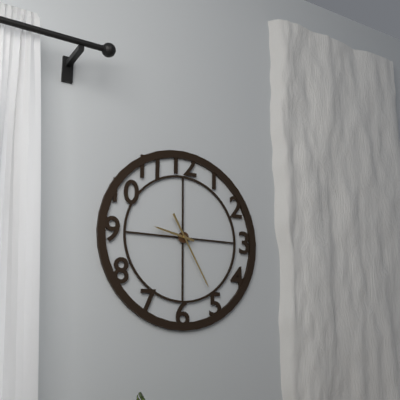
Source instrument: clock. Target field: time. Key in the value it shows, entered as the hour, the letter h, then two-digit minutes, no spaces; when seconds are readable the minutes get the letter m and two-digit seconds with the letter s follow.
9h25
